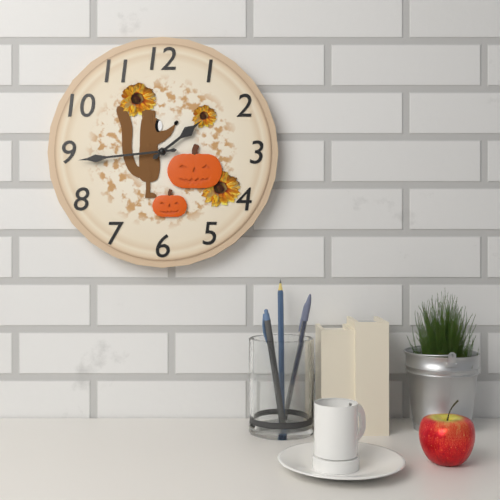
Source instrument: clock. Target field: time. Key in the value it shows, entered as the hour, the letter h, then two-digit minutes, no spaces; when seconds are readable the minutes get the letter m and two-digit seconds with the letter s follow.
1h44
